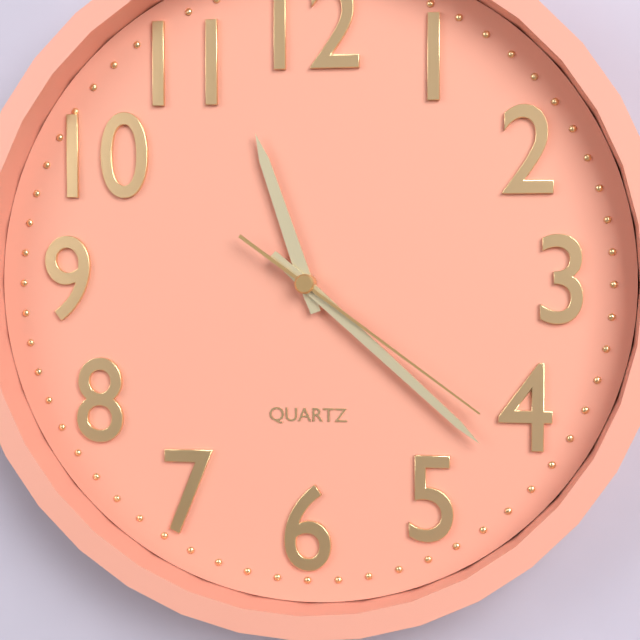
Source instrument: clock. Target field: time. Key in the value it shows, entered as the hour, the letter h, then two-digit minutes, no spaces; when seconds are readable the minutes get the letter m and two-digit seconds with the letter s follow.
11h22m21s
